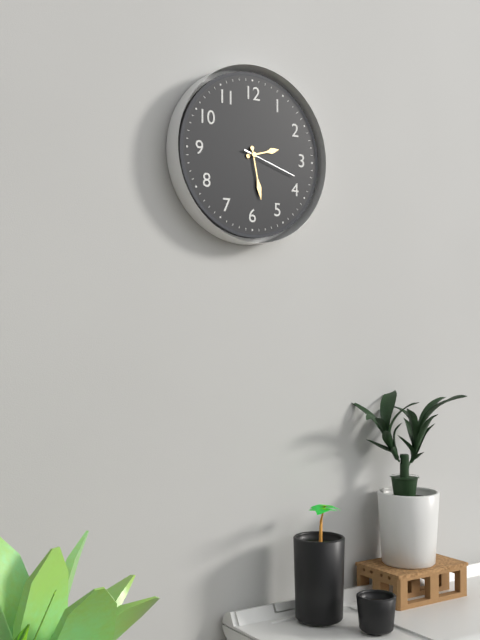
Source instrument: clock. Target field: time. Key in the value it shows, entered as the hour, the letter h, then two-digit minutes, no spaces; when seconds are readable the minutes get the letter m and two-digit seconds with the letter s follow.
2h28m18s
